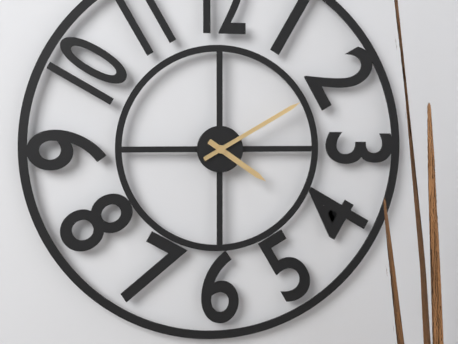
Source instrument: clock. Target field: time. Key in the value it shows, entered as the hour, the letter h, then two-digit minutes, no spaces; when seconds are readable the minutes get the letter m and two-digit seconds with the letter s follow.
4h10
